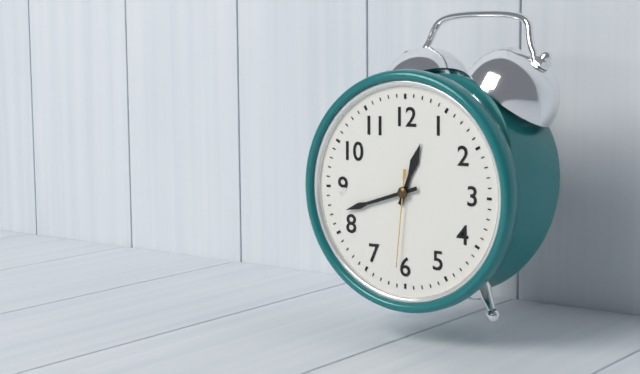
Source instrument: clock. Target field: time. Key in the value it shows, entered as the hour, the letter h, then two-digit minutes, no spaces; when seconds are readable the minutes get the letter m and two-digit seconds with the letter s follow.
12h42m31s
